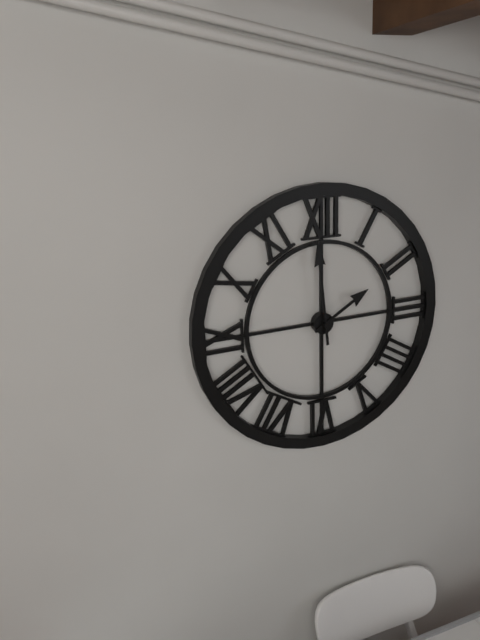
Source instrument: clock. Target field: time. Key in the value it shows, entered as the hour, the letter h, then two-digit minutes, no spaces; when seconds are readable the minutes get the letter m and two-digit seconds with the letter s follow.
1h59
